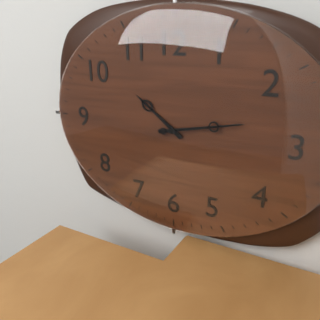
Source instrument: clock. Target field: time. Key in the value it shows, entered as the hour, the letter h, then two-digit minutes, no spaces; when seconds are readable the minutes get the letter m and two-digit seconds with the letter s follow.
10h13
